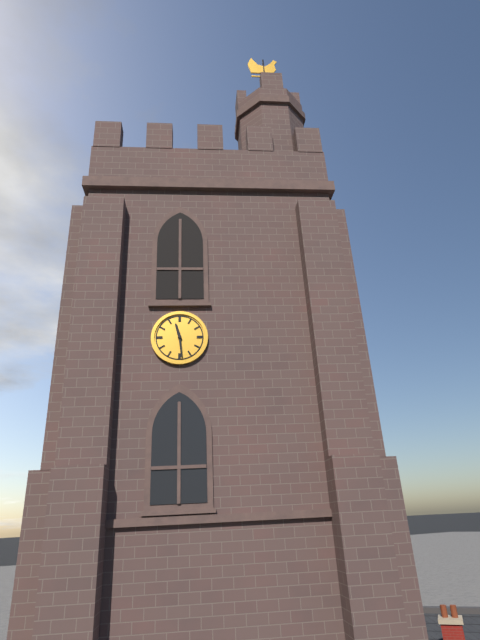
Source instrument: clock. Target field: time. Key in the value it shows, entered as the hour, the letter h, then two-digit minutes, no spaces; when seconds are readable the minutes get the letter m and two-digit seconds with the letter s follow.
11h29
